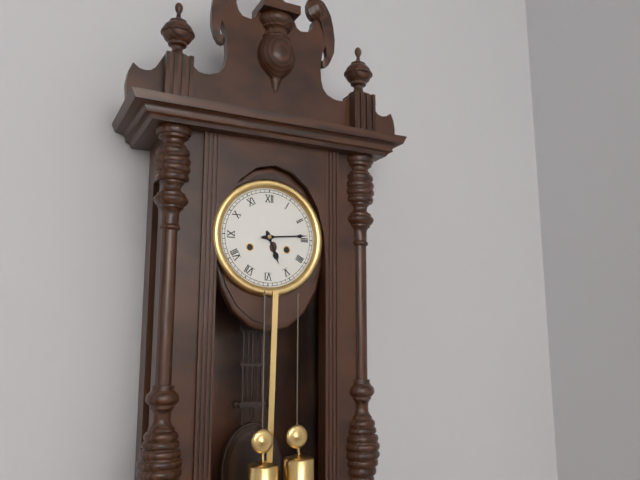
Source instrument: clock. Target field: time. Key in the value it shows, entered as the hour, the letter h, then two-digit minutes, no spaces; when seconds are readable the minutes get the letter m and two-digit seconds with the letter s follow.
5h14
